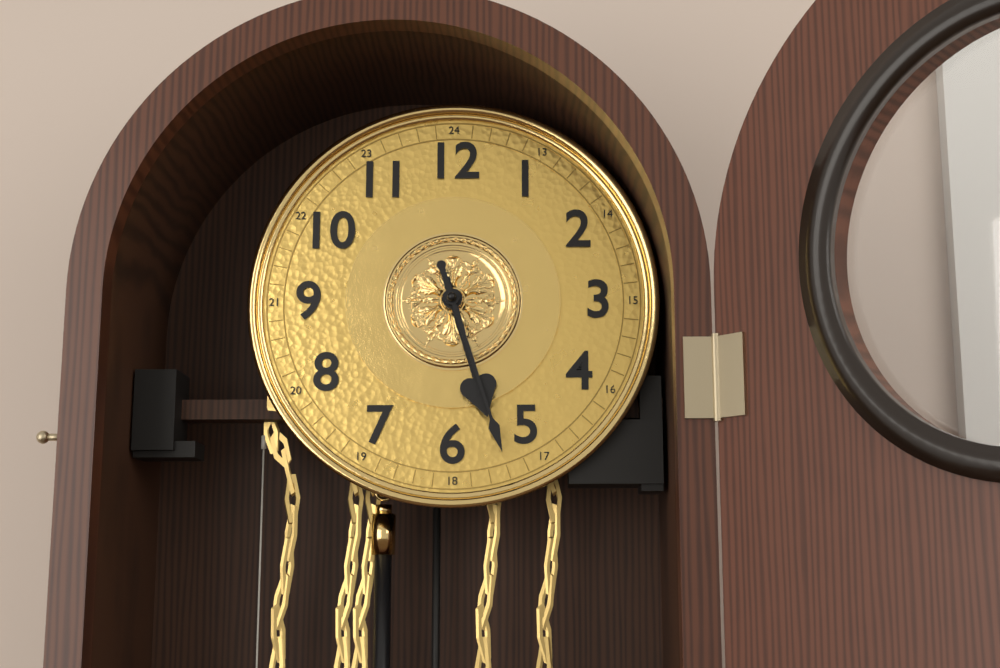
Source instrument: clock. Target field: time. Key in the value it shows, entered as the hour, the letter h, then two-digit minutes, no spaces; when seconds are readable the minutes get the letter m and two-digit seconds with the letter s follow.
5h27
